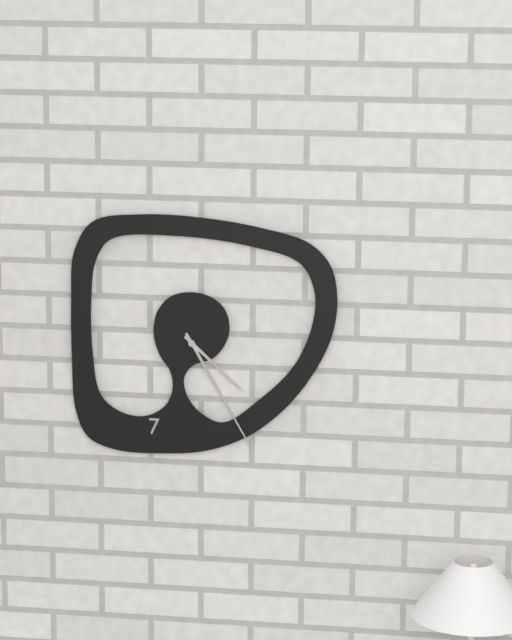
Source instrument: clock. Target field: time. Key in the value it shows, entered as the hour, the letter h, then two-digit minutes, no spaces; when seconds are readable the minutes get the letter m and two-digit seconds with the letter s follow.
4h25
